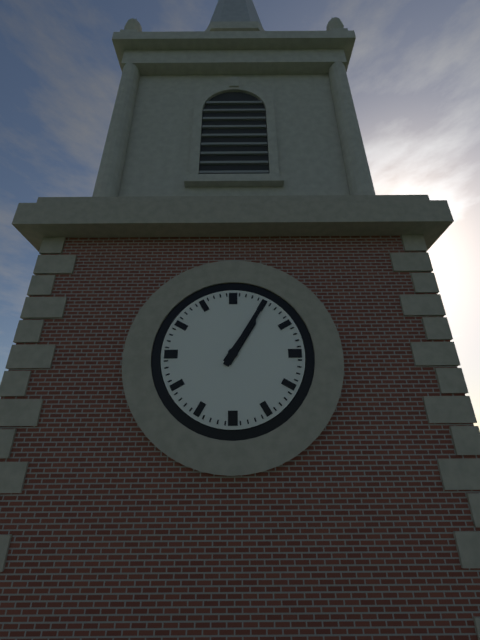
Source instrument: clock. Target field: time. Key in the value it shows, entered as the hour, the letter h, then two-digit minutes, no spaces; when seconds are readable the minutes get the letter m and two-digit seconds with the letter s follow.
1h05
